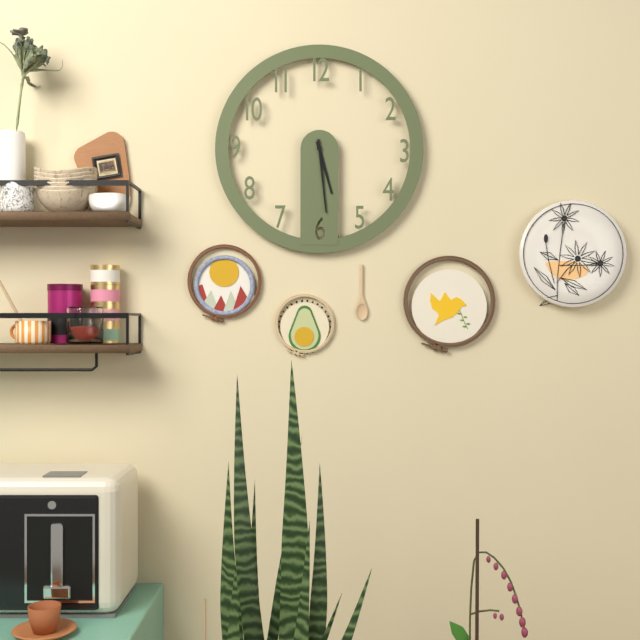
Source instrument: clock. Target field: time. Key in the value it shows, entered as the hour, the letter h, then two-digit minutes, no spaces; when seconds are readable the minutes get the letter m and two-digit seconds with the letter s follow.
5h29
